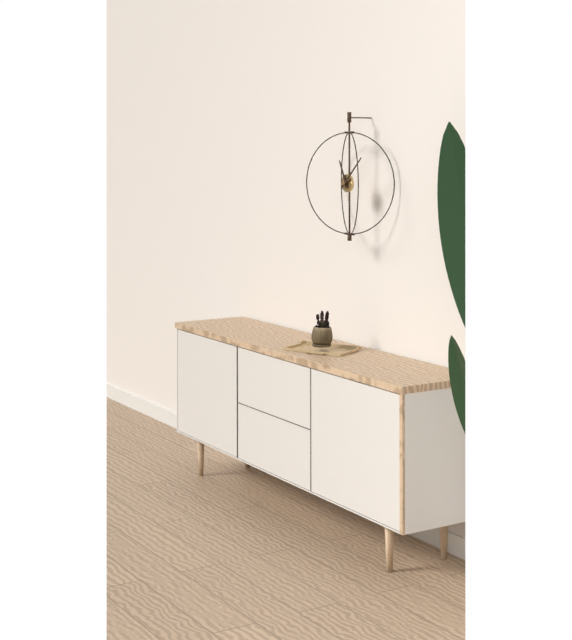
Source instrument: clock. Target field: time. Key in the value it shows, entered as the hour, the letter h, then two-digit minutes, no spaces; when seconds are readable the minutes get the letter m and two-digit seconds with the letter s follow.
11h08
